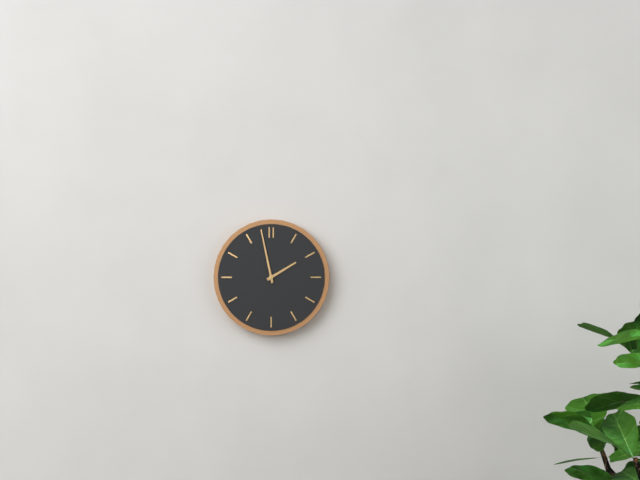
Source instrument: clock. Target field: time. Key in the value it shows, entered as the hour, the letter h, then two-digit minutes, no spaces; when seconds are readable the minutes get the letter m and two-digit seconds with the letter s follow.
1h58
